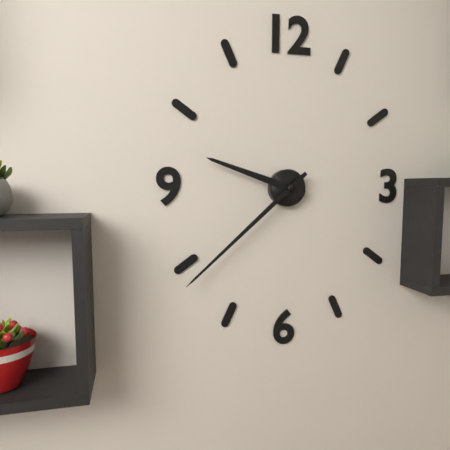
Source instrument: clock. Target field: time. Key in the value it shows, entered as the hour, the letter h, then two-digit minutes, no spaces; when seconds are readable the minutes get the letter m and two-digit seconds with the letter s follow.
9h38
